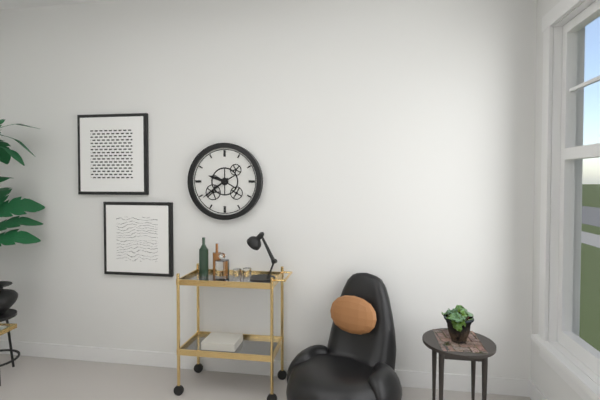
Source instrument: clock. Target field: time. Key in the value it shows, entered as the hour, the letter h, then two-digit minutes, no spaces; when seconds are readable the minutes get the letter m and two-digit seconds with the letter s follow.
9h39
